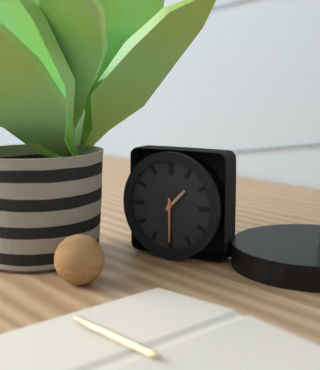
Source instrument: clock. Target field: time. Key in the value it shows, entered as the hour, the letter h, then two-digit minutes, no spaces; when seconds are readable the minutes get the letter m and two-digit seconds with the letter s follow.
1h30
